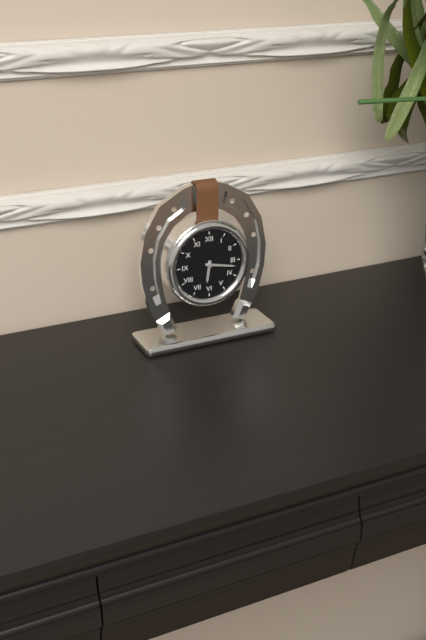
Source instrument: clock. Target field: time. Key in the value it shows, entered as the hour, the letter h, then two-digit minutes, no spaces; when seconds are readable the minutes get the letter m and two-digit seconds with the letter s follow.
6h17
